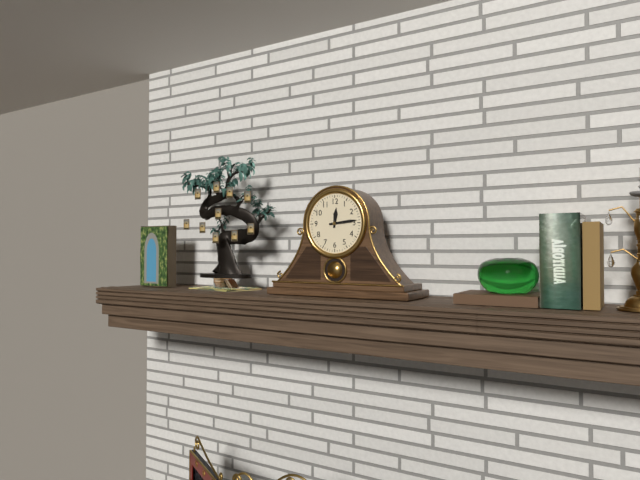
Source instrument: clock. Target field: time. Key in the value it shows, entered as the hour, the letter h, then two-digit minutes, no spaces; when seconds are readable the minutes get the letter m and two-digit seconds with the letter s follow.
12h14
